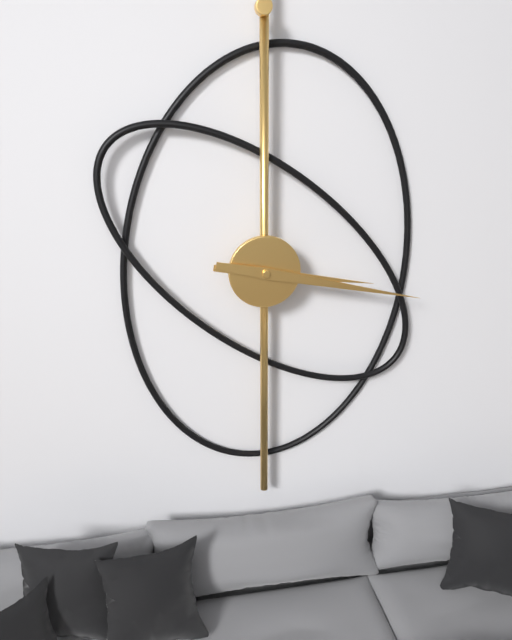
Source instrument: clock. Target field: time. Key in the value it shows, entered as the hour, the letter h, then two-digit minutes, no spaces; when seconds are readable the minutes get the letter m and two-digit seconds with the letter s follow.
3h17
